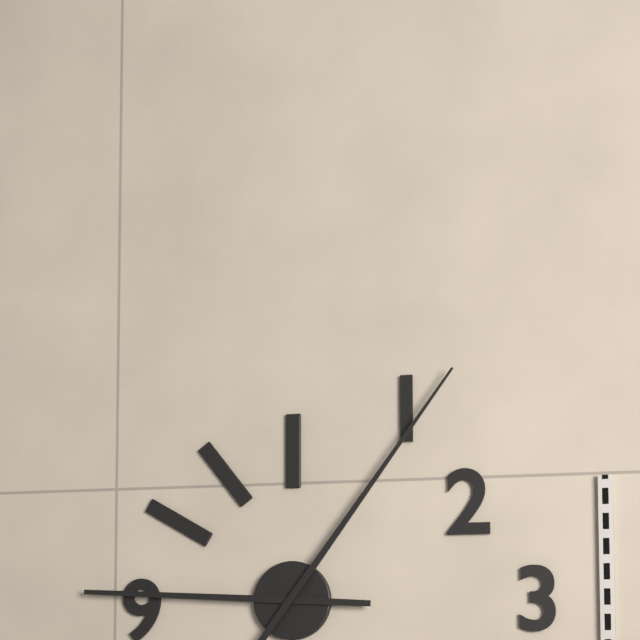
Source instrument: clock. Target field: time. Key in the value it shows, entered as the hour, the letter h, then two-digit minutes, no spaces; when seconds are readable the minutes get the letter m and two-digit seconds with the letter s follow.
9h06
